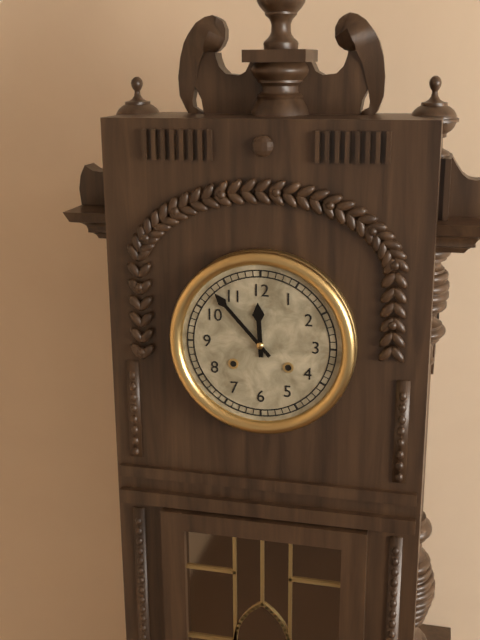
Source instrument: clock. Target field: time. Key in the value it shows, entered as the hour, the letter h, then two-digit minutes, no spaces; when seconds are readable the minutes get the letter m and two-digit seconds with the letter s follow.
11h53
